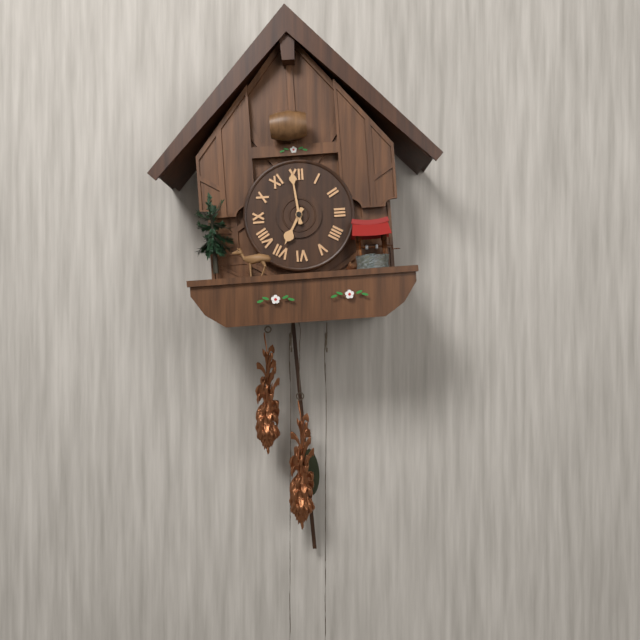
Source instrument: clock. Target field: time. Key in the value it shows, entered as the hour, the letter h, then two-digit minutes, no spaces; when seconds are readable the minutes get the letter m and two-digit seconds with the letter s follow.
6h59
